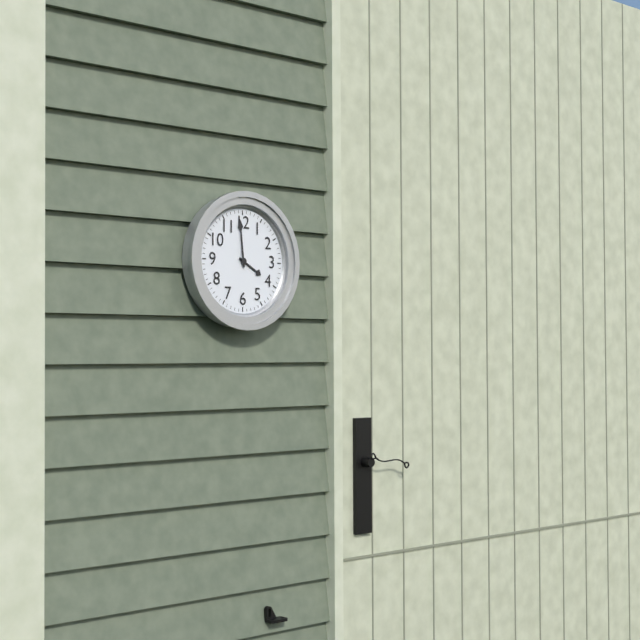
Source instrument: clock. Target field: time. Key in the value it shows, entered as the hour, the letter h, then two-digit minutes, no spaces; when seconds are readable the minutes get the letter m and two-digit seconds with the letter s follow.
3h59
